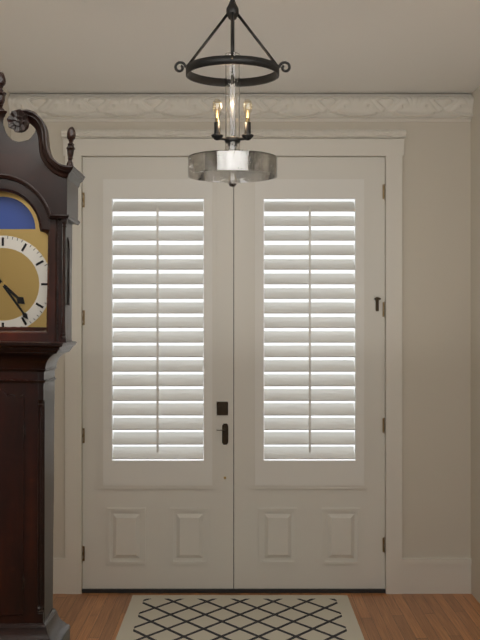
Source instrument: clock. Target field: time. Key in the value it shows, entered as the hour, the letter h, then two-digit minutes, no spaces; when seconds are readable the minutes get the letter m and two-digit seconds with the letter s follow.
4h24
